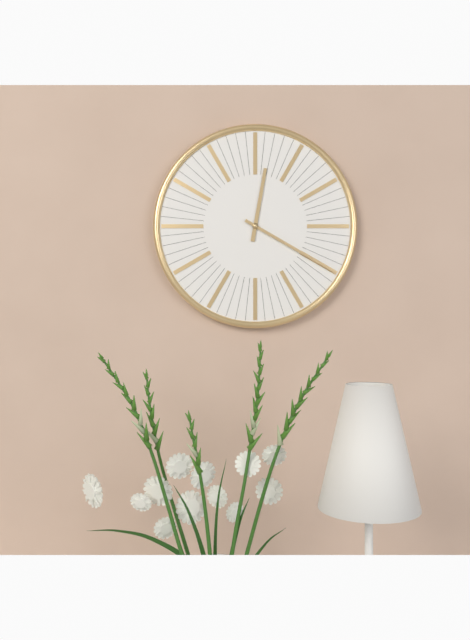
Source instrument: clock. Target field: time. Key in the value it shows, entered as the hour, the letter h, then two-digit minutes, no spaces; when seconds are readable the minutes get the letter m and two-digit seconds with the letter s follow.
12h20
